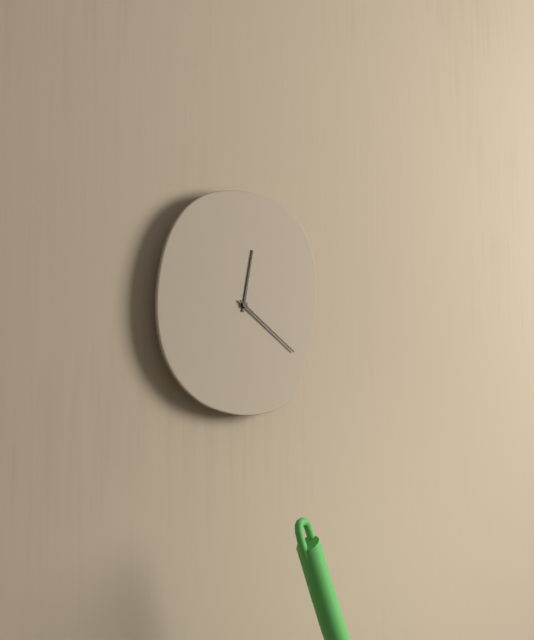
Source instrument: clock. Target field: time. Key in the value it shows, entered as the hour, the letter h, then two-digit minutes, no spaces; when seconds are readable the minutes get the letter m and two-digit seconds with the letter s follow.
12h21
